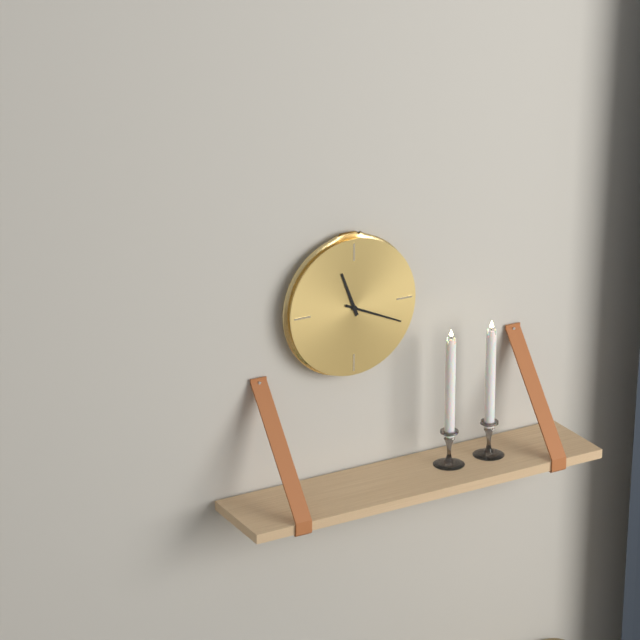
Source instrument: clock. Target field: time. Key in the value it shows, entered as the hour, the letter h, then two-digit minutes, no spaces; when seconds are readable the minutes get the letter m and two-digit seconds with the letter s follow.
11h19
